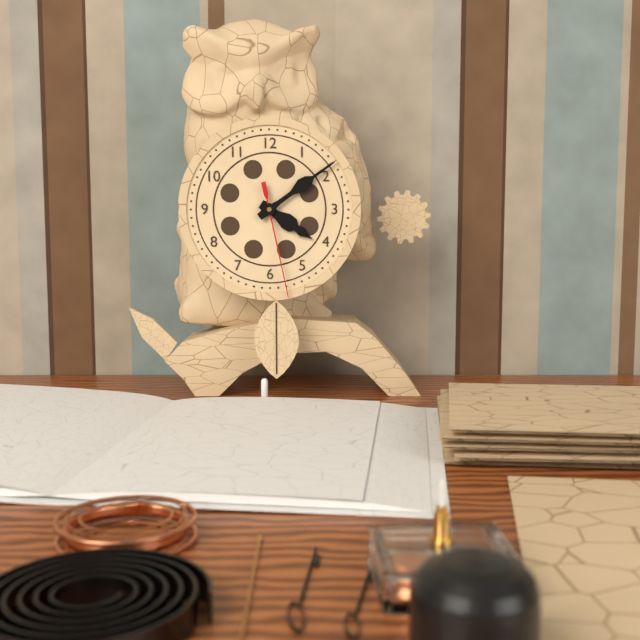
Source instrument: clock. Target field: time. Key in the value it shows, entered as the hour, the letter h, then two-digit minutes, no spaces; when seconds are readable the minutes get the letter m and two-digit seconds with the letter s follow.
4h09m28s
